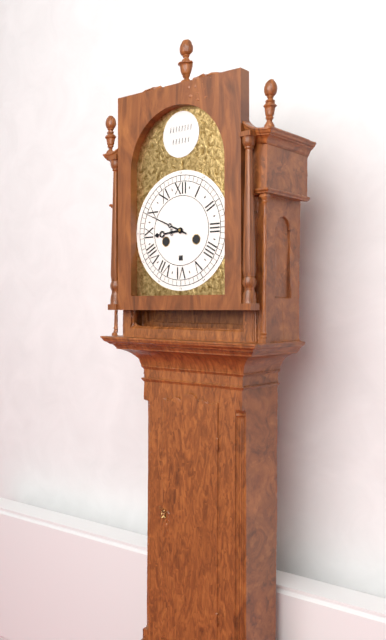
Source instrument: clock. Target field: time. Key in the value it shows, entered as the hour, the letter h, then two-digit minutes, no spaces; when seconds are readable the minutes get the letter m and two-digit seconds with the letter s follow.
8h49
